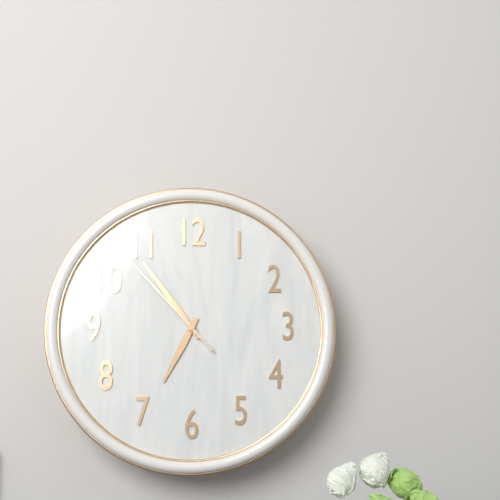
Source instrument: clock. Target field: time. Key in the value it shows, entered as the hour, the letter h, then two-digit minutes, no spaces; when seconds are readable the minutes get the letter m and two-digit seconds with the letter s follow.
6h54m53s
